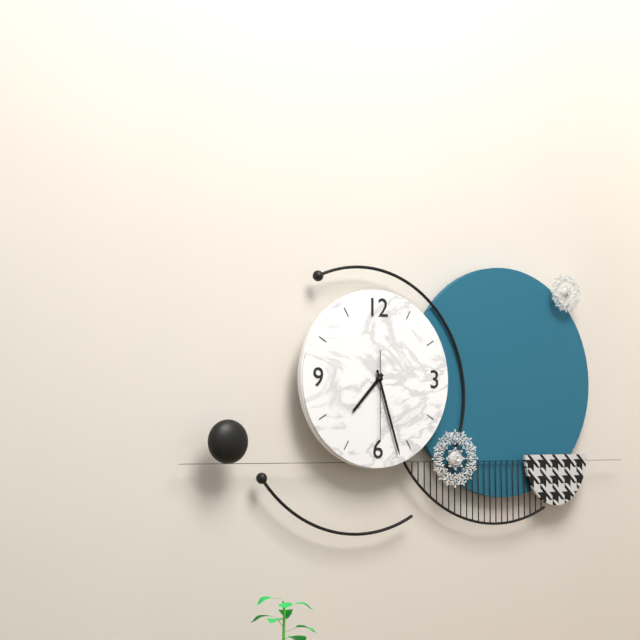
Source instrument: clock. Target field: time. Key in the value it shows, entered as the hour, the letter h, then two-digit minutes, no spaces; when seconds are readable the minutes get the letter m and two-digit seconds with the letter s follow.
7h27m30s
